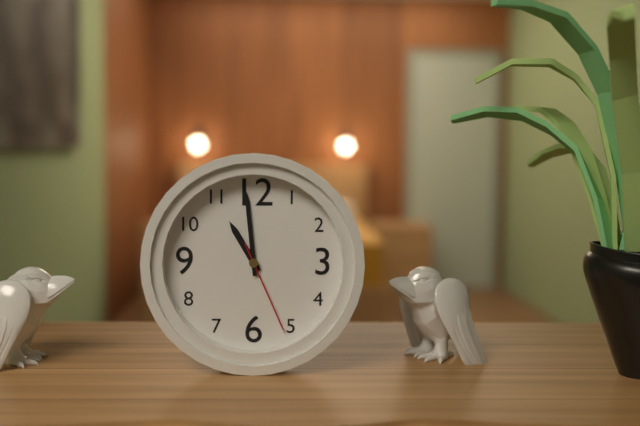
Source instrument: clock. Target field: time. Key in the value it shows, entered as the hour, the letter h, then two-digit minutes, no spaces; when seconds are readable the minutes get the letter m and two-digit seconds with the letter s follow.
10h59m26s
